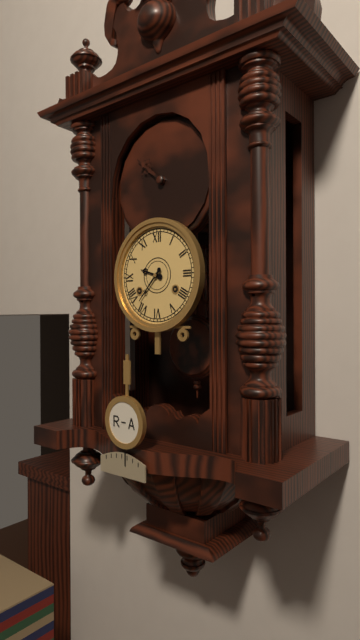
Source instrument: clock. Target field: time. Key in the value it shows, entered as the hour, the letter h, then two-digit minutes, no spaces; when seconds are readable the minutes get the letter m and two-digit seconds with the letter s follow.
9h37
